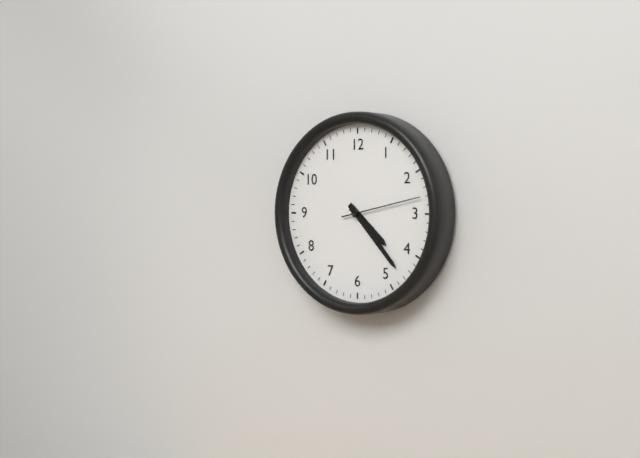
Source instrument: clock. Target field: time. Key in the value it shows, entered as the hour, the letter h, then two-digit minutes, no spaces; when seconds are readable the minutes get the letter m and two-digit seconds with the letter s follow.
4h23m13s
